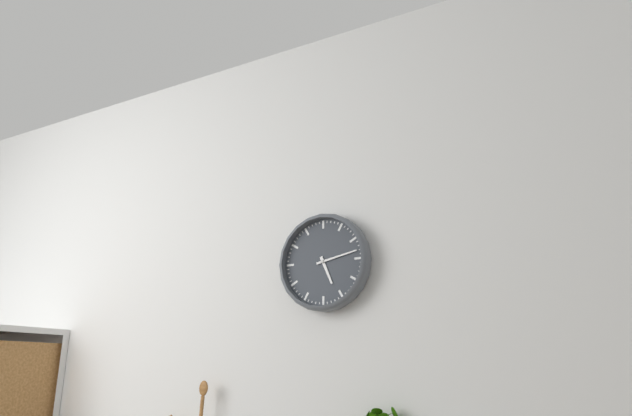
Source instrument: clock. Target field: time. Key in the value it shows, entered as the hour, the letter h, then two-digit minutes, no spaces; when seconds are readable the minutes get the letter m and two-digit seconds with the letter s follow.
5h13
